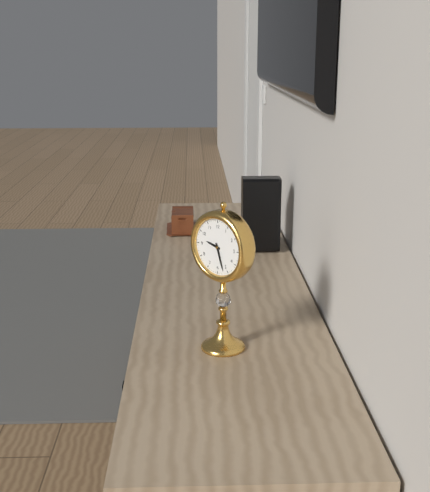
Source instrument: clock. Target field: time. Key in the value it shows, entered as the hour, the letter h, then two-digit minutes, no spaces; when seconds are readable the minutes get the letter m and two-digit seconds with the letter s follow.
9h27
